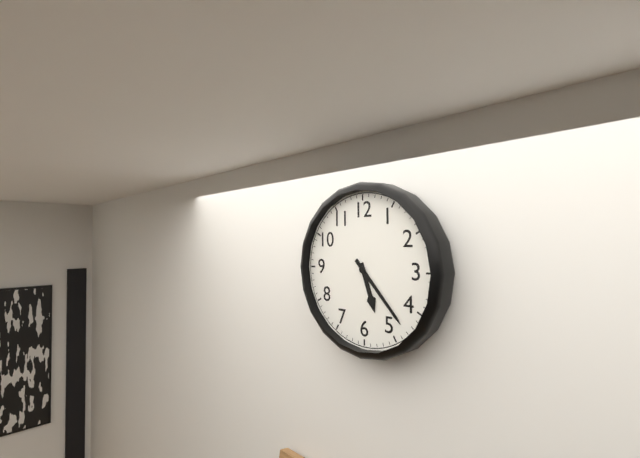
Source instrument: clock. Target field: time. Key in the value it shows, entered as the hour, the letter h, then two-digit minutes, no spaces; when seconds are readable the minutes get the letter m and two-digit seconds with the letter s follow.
5h23
